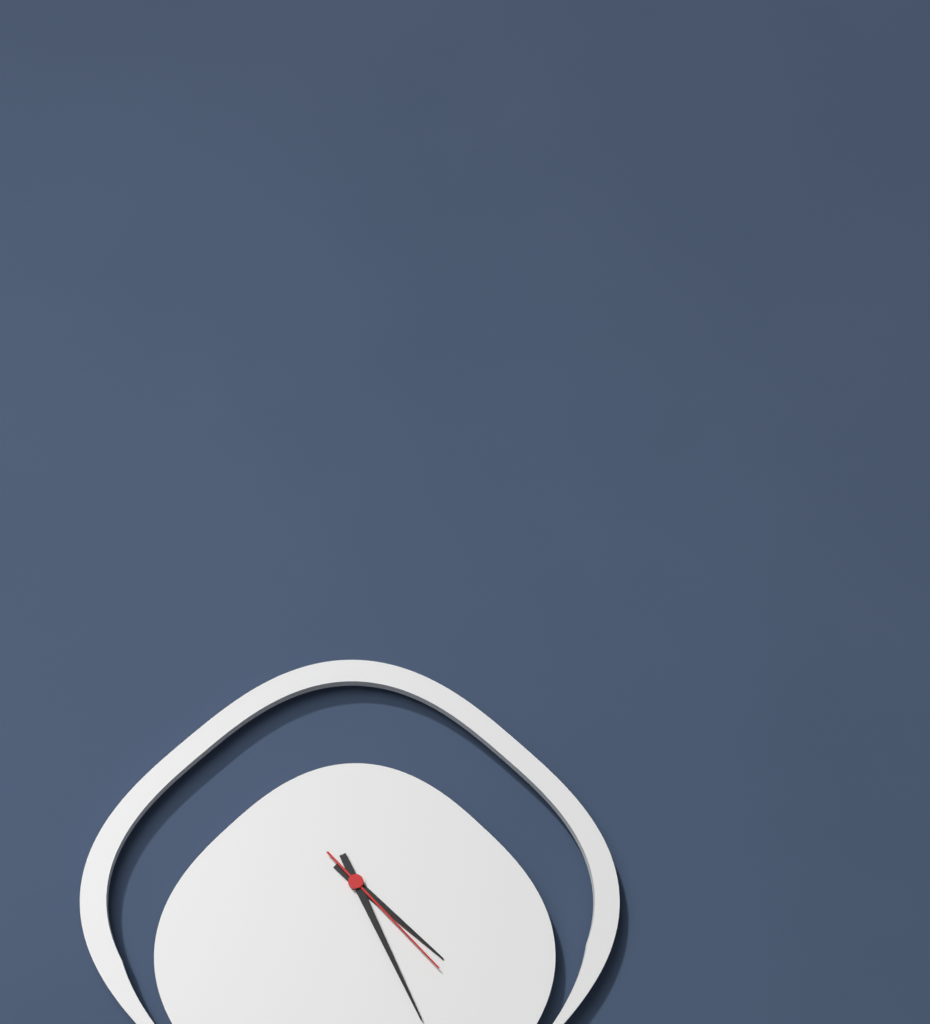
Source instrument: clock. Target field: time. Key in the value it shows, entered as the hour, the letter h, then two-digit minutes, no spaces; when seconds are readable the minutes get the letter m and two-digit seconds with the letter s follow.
4h26m23s
